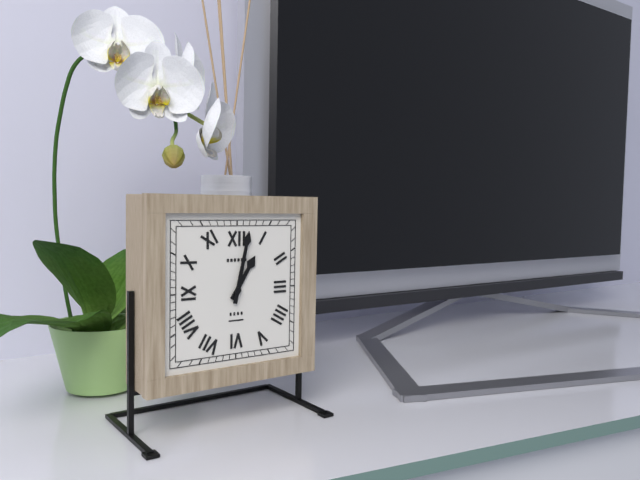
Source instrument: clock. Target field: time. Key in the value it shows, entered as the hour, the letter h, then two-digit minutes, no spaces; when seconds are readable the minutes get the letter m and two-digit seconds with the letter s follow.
1h02
